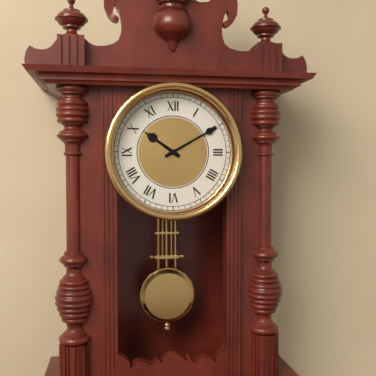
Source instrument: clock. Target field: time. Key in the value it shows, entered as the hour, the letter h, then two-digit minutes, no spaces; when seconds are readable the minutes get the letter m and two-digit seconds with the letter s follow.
10h10
